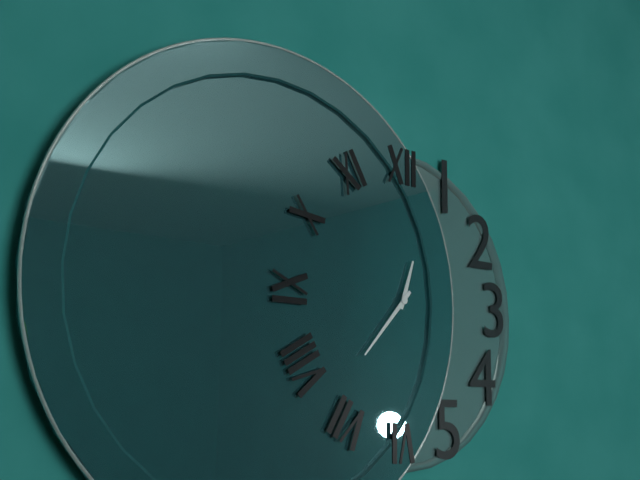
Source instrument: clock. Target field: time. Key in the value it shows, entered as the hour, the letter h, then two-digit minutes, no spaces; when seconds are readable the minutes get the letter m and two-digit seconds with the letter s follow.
12h37
